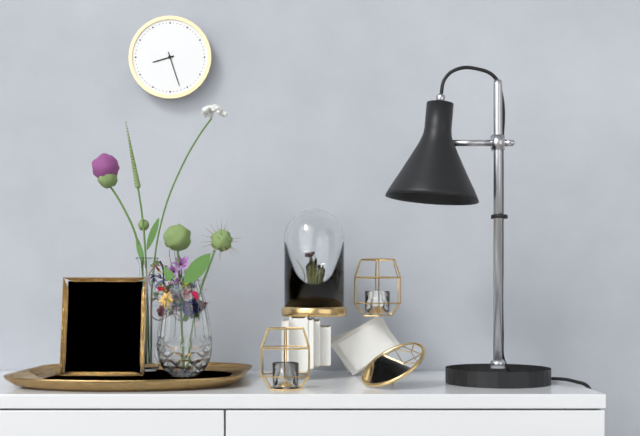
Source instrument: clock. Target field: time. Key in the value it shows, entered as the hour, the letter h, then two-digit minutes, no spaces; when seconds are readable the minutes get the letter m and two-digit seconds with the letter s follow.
8h27
